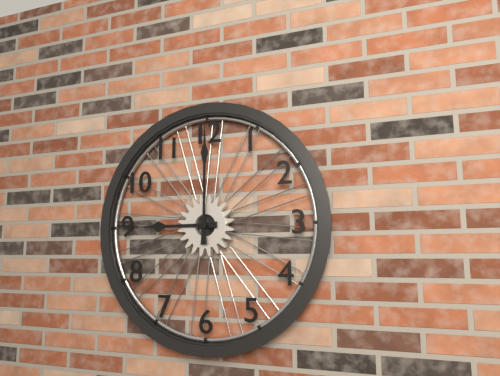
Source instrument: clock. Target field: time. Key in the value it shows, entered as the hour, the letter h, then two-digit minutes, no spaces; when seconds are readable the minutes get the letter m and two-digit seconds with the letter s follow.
9h00
